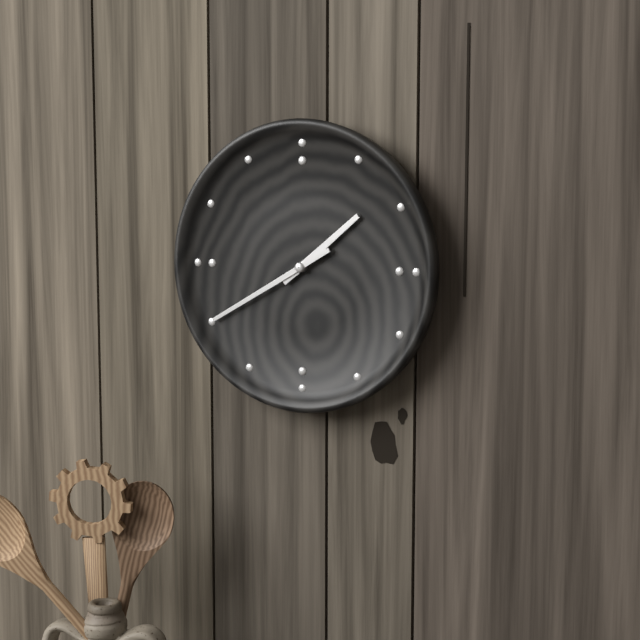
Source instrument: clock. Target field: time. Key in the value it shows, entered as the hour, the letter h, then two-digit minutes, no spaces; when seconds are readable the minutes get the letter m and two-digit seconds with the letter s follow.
1h40
